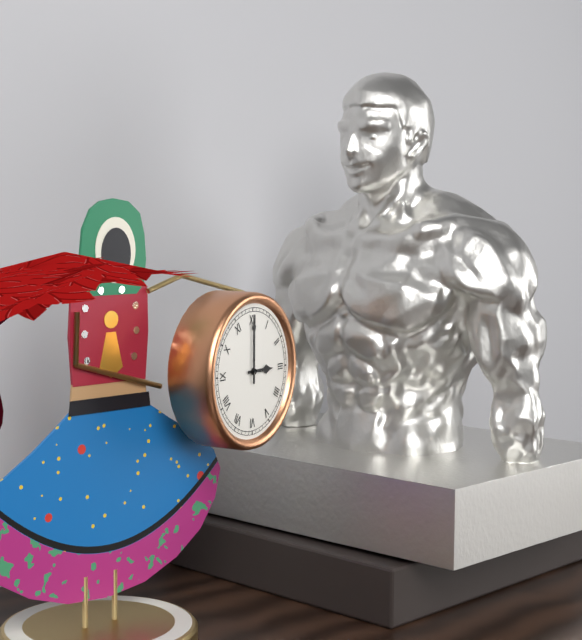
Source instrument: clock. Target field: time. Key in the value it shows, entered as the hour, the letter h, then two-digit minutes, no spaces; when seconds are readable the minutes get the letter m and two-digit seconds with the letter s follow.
3h00
